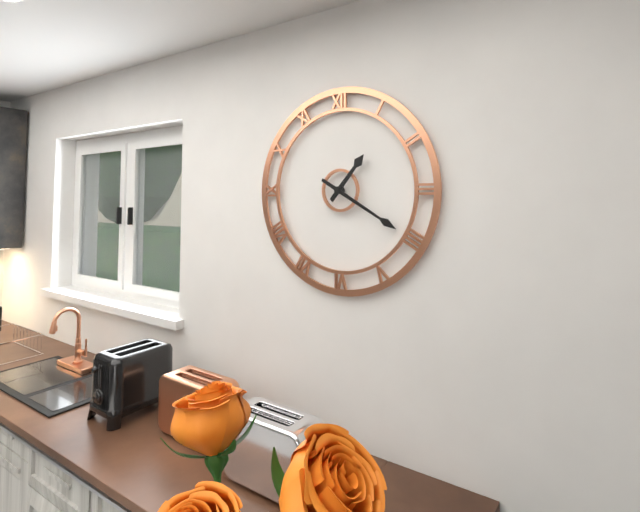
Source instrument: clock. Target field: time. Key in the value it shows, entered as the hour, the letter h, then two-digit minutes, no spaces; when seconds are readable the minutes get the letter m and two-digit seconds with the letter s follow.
1h20
